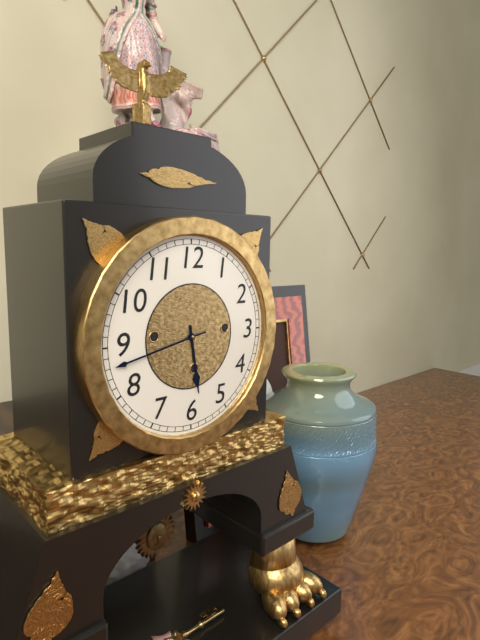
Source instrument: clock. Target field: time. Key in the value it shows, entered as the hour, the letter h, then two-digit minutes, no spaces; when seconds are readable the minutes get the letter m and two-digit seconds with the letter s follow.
5h43
